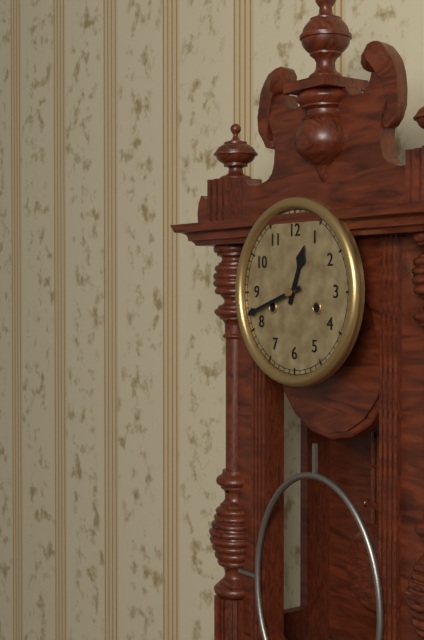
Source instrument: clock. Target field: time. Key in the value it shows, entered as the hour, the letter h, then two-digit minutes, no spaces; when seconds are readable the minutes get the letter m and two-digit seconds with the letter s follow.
12h42
